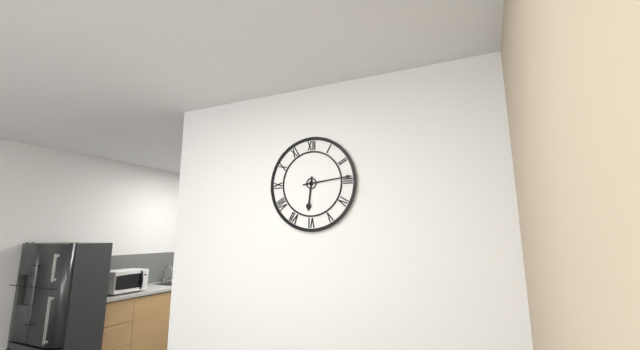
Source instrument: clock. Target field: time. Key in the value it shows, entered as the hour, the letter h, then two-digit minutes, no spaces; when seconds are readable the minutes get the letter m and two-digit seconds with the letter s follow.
6h14
